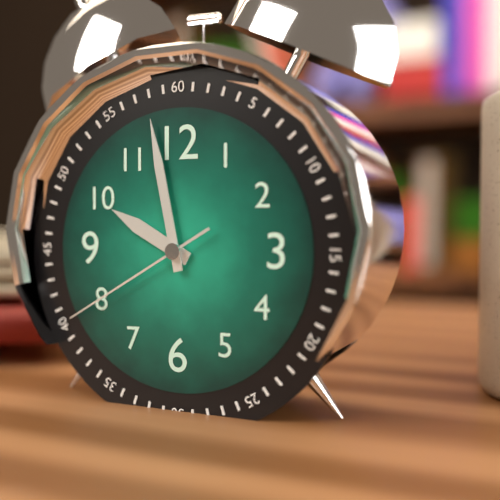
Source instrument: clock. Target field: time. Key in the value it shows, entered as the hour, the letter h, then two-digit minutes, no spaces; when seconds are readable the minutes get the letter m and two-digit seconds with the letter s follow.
9h58m40s
